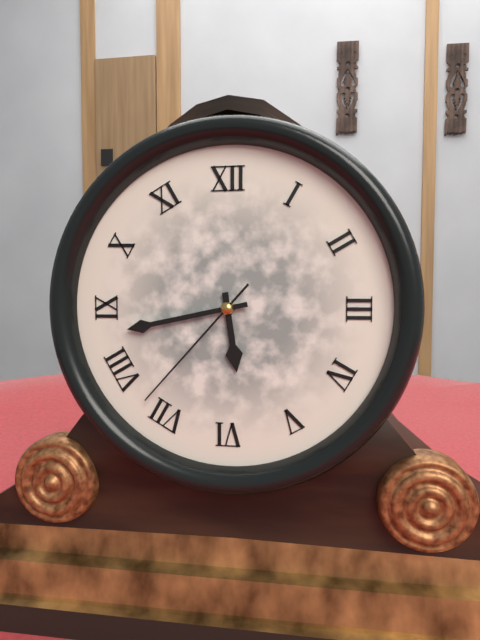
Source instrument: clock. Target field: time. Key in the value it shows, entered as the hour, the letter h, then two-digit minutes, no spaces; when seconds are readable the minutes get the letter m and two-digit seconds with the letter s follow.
5h43m37s
